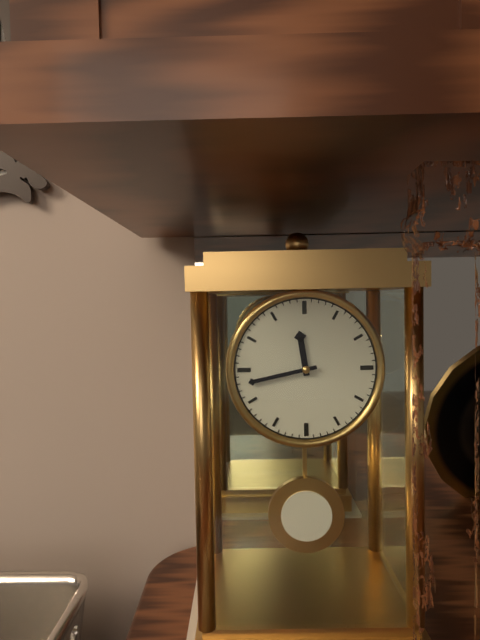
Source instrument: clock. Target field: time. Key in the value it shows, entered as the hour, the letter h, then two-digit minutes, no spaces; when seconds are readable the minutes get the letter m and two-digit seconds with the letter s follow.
11h43
